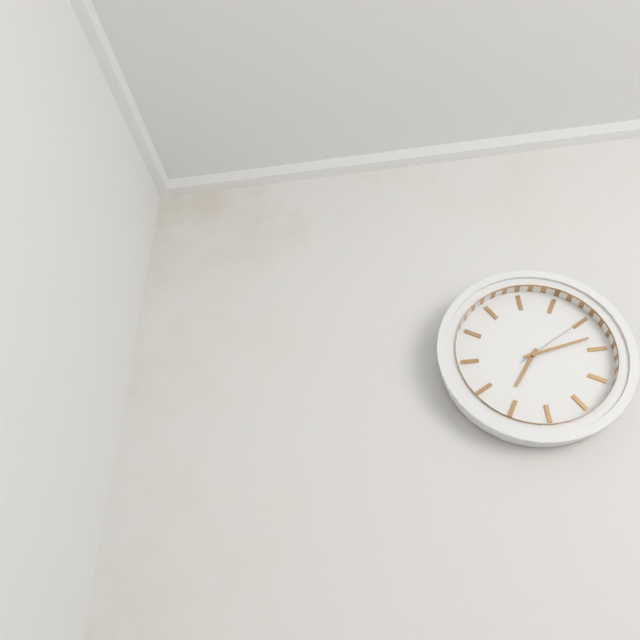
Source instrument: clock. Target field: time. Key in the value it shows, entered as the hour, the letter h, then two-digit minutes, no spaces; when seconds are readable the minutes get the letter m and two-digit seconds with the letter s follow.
7h13m10s
